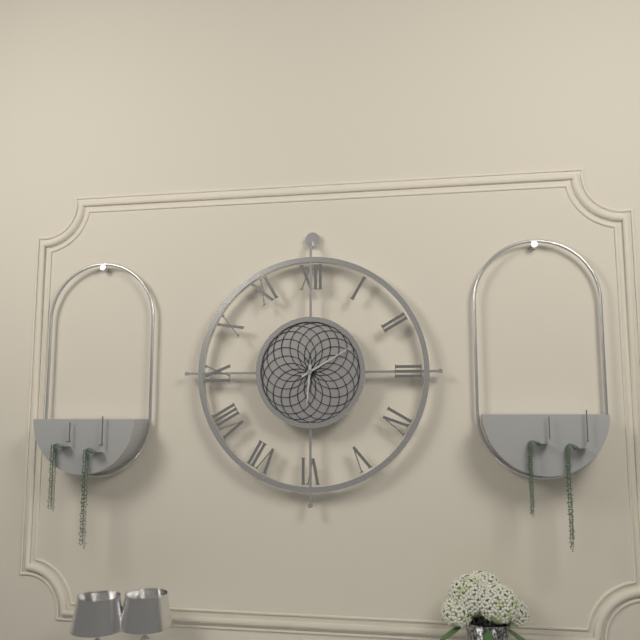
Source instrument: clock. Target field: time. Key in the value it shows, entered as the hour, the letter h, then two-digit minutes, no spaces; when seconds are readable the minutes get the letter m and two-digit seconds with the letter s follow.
6h10
